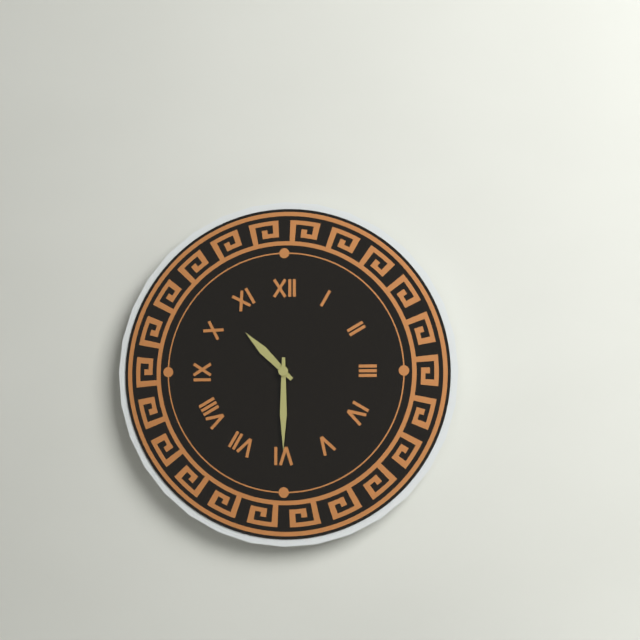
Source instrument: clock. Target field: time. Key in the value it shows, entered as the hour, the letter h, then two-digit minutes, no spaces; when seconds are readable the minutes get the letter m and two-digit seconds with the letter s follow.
10h30
